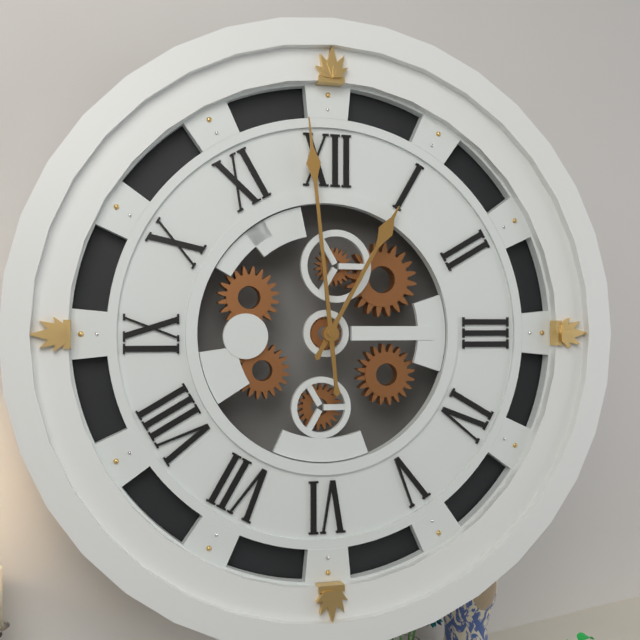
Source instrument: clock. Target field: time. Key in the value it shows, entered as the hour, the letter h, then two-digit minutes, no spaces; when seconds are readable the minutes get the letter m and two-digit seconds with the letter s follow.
12h59
